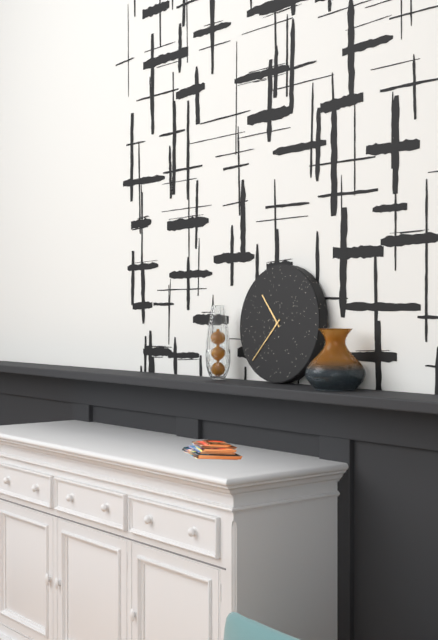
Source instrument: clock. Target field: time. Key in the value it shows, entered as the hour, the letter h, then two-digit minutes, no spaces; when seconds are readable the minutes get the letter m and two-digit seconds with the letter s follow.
10h37
